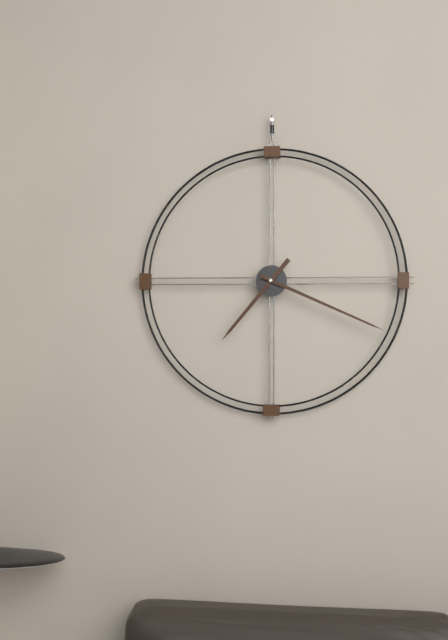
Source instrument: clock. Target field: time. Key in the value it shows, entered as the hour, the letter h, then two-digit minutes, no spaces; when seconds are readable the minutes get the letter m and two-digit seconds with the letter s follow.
7h19
